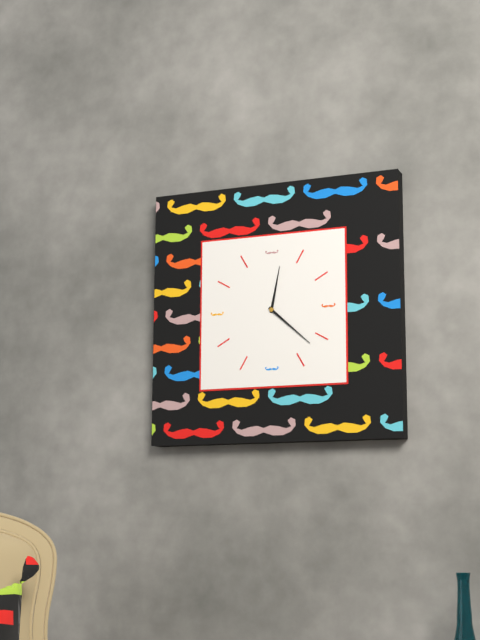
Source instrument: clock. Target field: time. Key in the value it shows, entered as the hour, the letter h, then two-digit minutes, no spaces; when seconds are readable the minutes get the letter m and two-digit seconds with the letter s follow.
12h22
